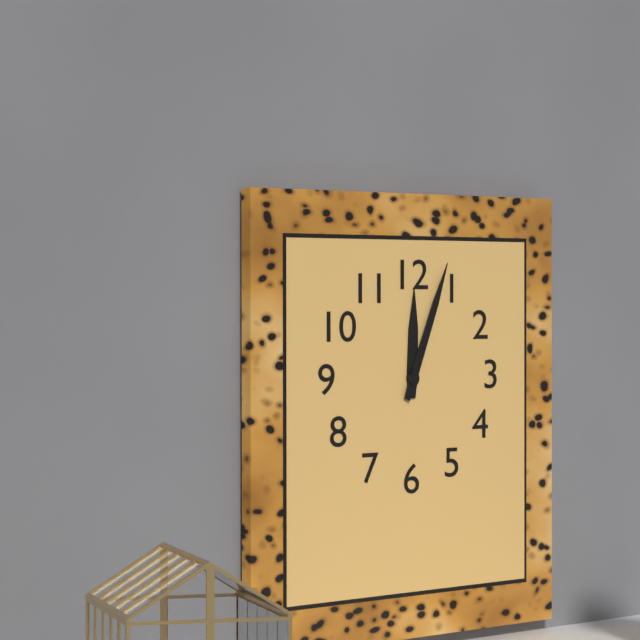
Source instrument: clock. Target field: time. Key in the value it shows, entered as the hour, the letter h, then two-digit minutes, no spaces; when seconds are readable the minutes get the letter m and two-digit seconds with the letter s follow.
12h04
